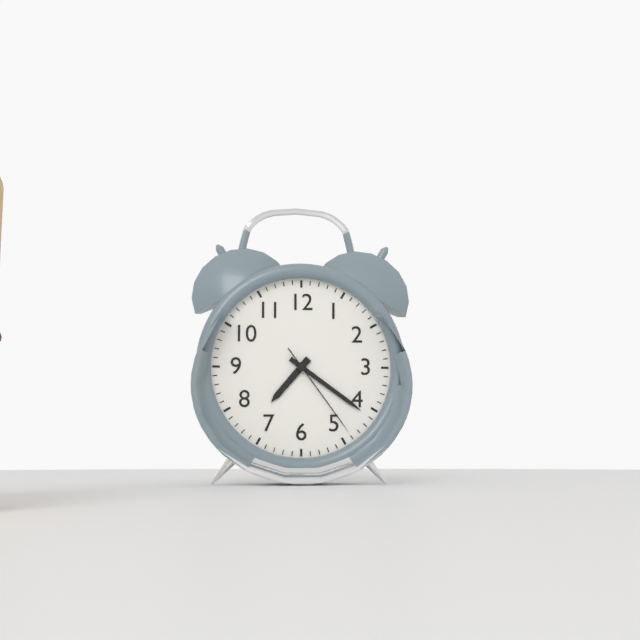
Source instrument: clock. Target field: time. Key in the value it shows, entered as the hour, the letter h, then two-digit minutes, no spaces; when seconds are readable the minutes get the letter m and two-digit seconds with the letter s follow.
7h21m24s
